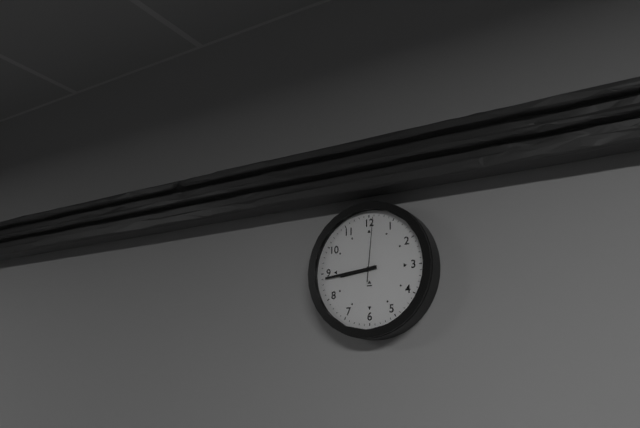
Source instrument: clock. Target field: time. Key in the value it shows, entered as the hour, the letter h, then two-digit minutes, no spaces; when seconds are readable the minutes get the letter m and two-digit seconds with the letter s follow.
8h44m01s
